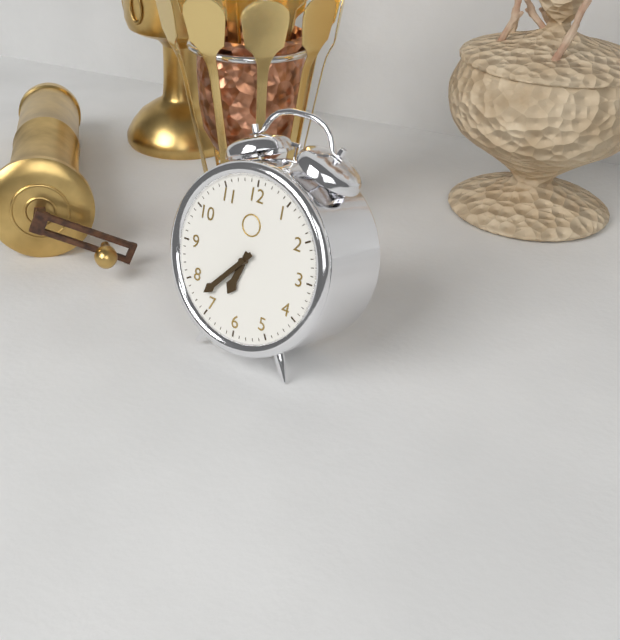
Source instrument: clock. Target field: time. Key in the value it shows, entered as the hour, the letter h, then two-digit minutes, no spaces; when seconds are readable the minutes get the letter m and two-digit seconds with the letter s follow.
6h37
